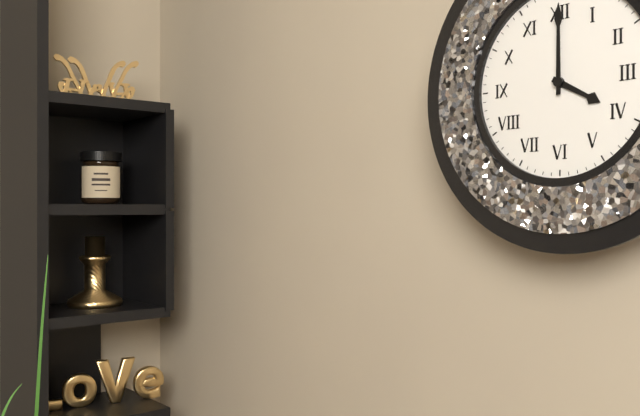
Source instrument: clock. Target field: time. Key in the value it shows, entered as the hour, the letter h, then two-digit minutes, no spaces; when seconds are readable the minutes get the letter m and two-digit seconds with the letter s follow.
4h00
